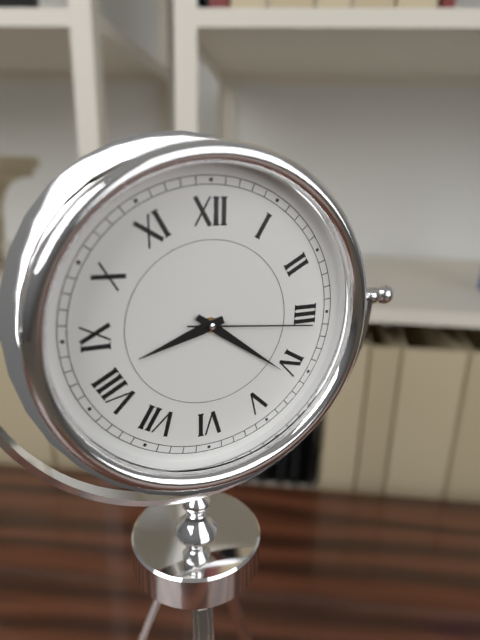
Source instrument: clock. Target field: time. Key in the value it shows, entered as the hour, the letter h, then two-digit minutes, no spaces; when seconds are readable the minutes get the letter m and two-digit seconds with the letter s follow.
8h21m16s
